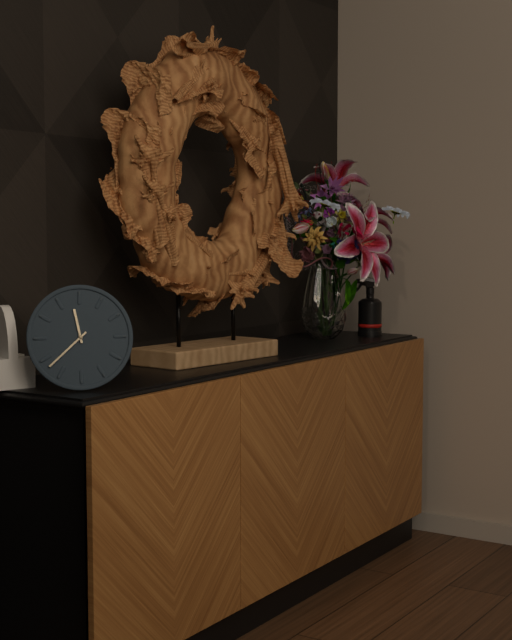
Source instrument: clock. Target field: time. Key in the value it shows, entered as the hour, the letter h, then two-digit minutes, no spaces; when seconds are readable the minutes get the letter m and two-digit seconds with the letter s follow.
11h38
